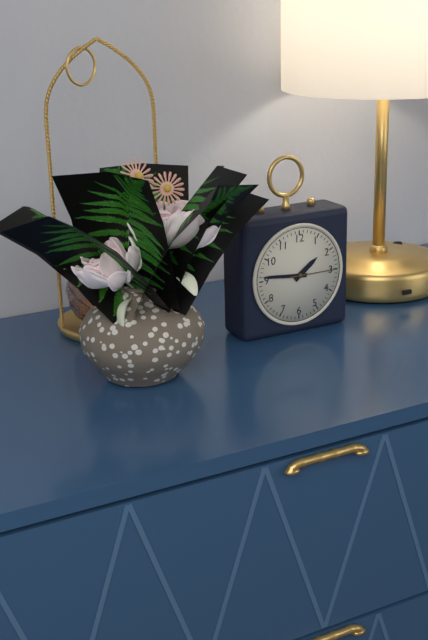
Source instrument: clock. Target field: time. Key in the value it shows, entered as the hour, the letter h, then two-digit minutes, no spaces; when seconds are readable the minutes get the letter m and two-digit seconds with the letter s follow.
1h46
